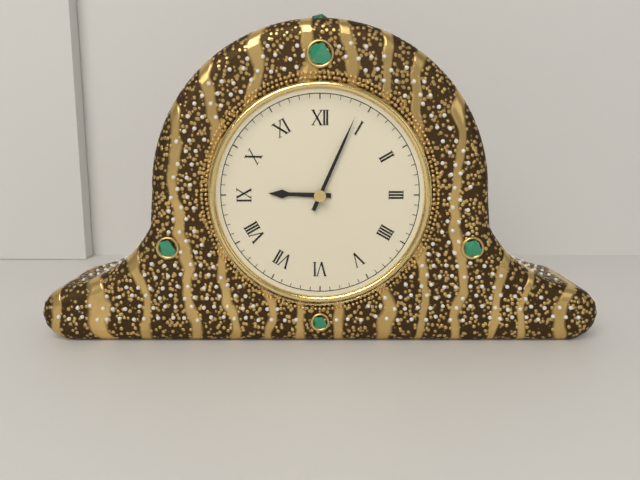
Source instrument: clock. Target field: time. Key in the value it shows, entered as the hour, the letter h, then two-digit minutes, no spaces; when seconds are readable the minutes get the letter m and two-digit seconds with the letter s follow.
9h04
